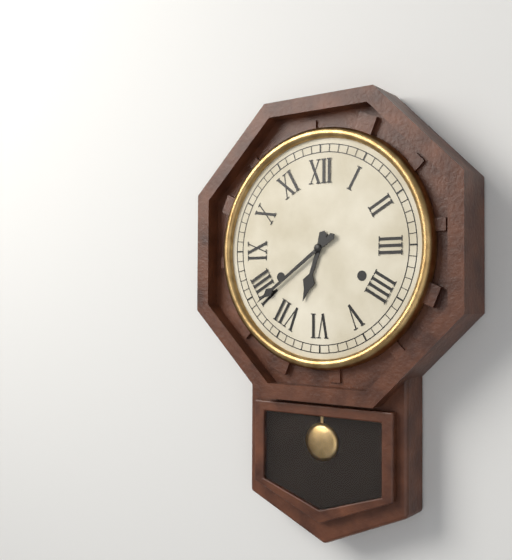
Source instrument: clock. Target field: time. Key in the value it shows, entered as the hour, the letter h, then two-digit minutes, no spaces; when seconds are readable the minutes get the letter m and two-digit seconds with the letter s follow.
6h39
